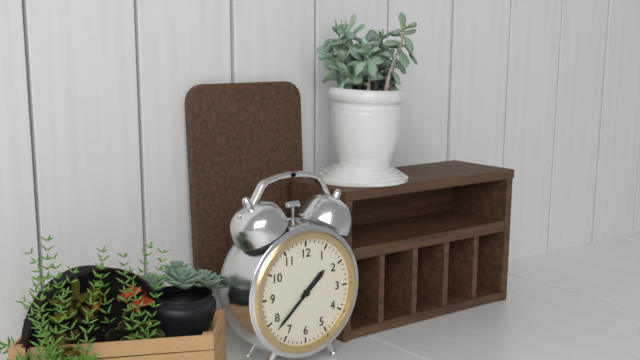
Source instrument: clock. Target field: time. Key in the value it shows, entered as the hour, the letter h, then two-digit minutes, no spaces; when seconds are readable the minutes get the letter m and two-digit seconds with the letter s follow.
1h38
